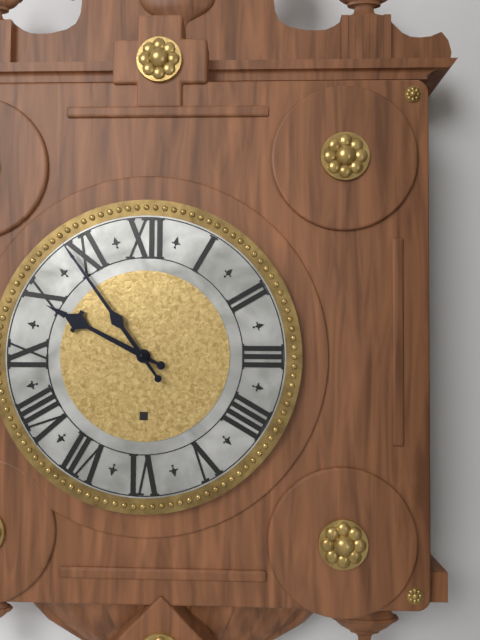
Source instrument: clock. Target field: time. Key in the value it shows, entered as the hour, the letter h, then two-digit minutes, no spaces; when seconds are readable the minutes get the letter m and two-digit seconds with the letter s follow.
9h54
